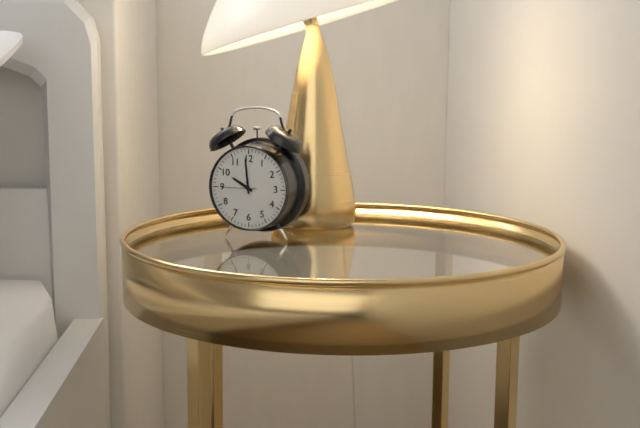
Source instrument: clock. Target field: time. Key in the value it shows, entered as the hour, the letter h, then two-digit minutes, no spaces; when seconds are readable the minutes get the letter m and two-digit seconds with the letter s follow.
9h59
